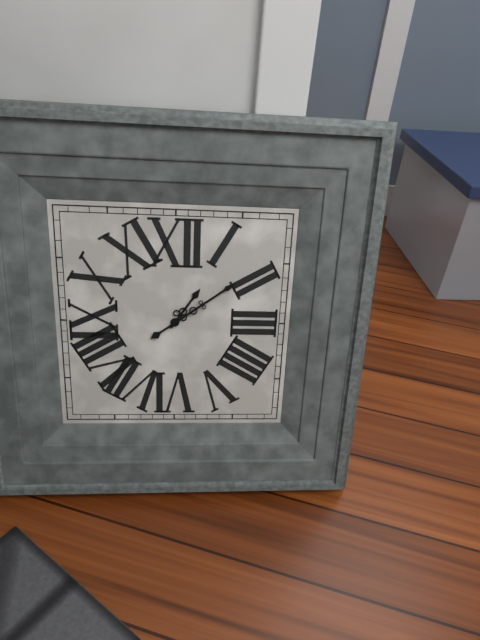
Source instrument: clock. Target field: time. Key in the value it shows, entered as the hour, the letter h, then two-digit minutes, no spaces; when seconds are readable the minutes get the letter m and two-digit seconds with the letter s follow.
1h09
